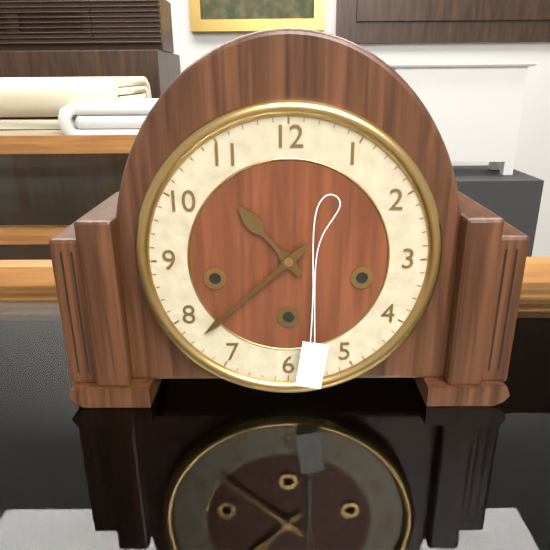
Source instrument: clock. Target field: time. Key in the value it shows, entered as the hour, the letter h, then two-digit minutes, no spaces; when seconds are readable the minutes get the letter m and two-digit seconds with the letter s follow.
10h38
